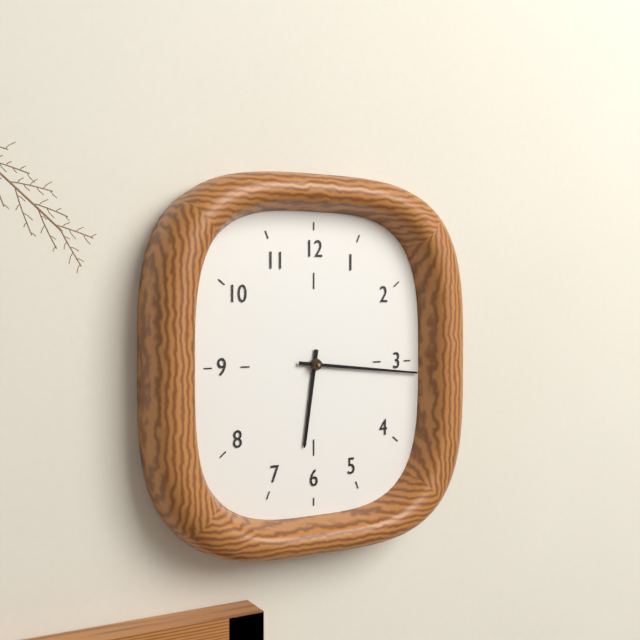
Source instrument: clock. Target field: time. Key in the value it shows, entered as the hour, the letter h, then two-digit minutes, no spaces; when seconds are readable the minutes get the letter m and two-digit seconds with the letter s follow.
6h16
